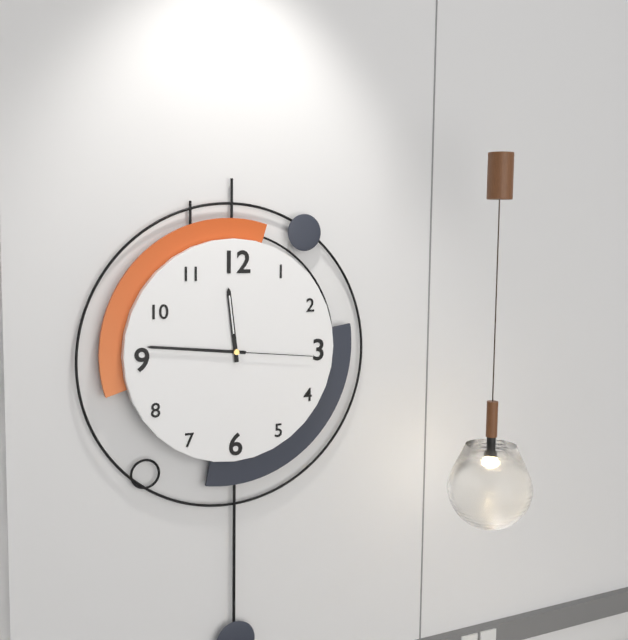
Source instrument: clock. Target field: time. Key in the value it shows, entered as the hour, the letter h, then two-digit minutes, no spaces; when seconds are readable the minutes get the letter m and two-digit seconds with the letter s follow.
11h46m16s
